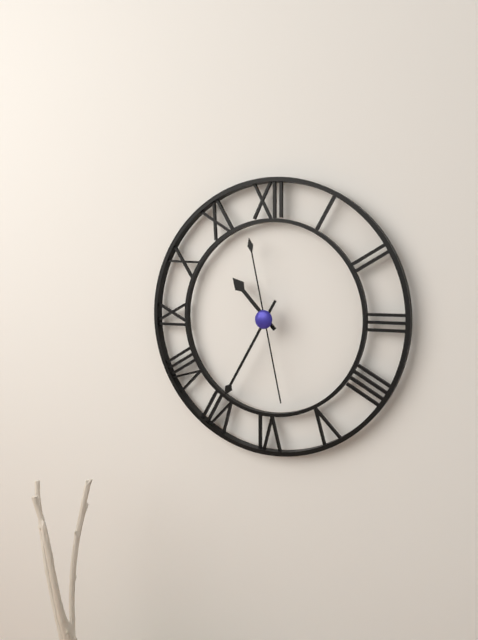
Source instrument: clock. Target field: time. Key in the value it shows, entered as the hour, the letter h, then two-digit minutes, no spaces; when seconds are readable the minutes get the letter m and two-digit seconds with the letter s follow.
10h35m28s
